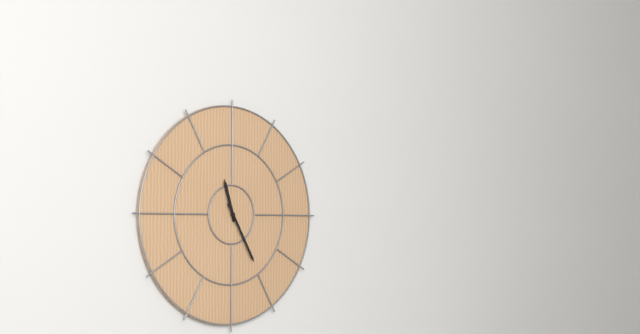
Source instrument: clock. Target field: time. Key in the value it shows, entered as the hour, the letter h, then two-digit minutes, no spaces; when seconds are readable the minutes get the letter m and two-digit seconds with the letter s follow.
11h25
